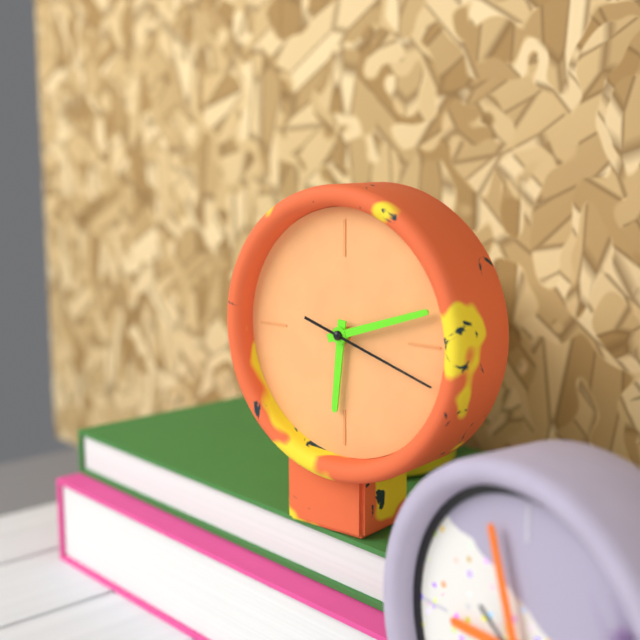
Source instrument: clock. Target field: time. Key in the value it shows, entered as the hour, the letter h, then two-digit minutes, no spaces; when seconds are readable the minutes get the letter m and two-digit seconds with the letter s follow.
6h12m18s
